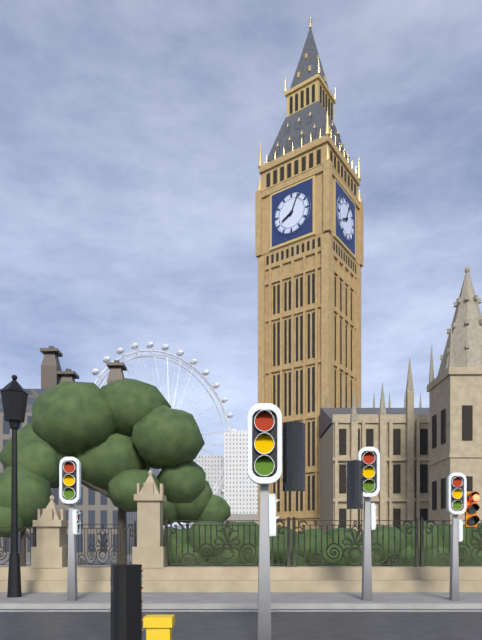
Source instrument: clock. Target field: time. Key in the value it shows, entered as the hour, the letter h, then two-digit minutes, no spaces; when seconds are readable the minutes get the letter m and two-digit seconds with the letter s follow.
8h04
